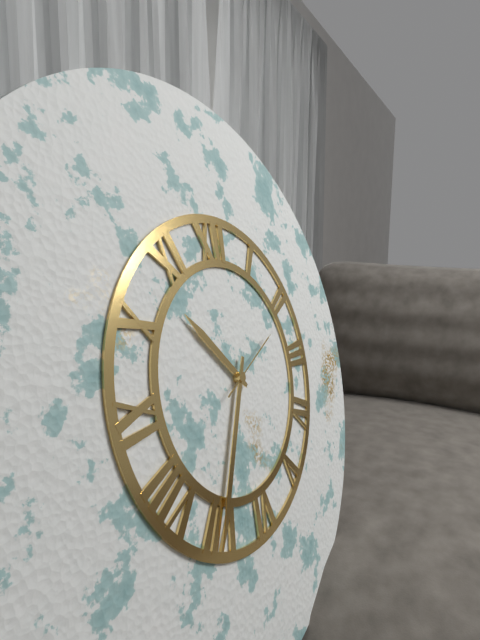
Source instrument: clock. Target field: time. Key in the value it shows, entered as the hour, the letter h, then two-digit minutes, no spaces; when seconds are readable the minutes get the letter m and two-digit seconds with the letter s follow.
10h35m11s
